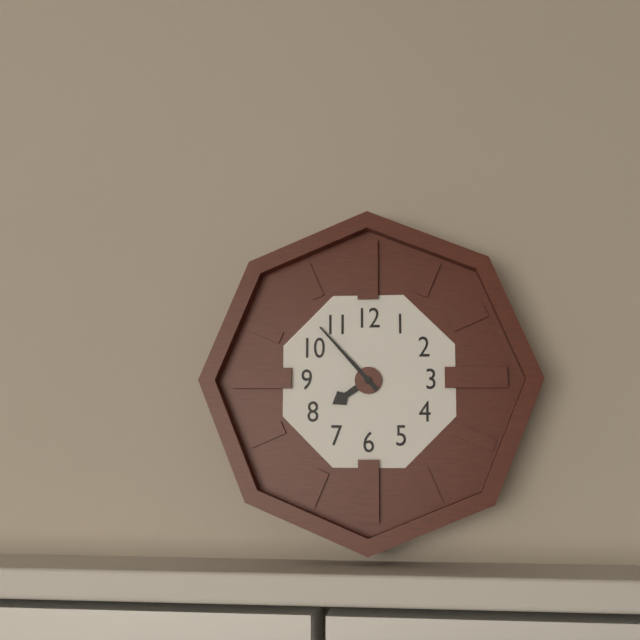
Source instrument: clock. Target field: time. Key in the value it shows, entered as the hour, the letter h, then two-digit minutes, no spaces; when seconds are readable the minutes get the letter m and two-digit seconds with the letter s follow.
7h53
